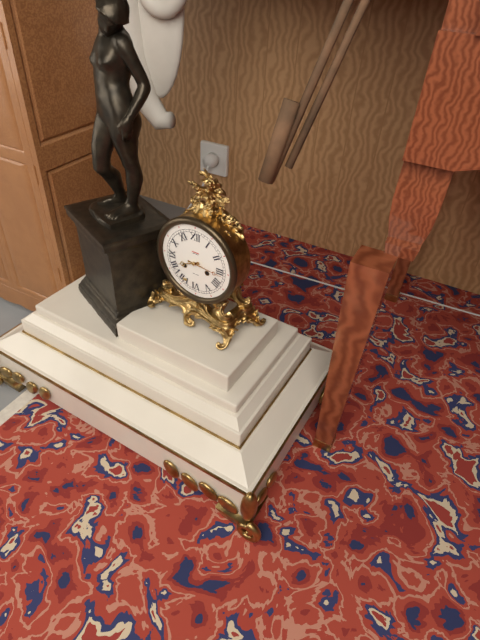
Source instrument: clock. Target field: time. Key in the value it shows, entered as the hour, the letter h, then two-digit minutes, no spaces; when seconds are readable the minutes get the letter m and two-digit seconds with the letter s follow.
8h16
